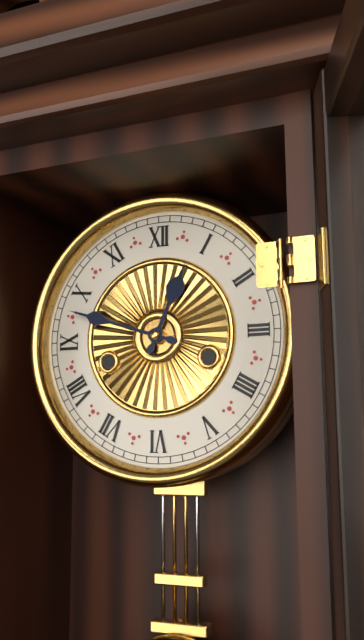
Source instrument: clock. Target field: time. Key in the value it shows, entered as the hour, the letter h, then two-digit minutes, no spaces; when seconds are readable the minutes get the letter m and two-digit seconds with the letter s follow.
12h48
